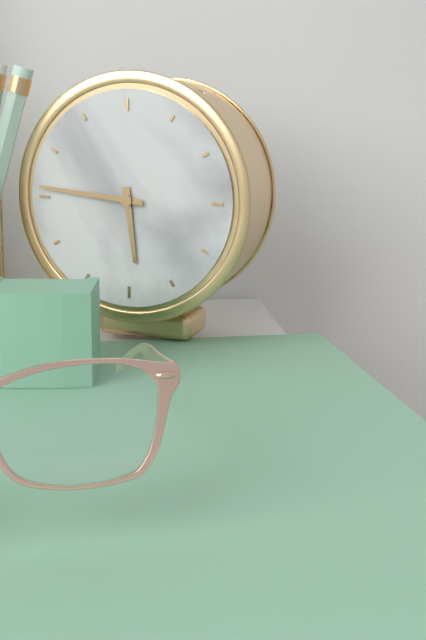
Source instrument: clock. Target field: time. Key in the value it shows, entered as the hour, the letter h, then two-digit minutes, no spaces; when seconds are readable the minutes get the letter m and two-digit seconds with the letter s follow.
5h46
